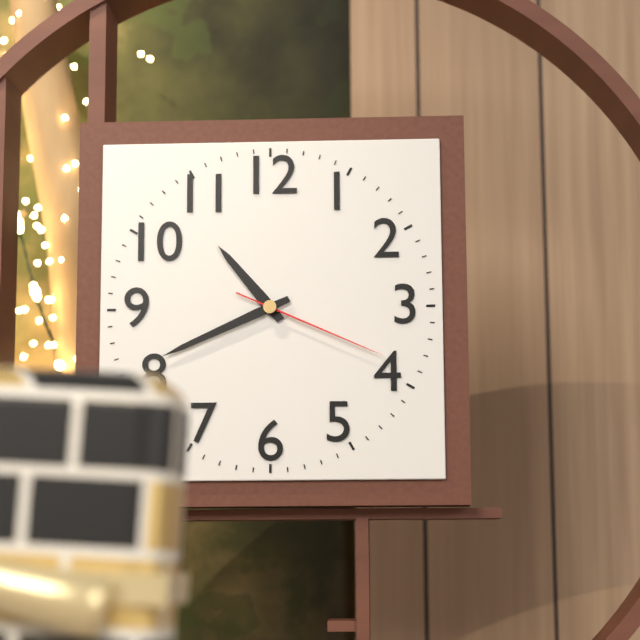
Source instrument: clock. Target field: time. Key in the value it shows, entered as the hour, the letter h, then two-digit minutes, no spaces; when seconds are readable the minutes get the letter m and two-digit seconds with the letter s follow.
10h41m19s
